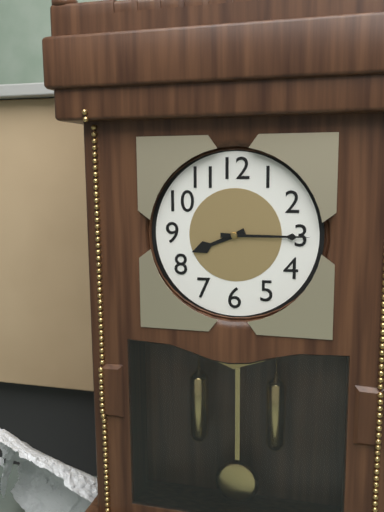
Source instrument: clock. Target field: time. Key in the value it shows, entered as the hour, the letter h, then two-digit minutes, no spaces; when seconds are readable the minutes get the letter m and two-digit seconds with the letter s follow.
8h15
